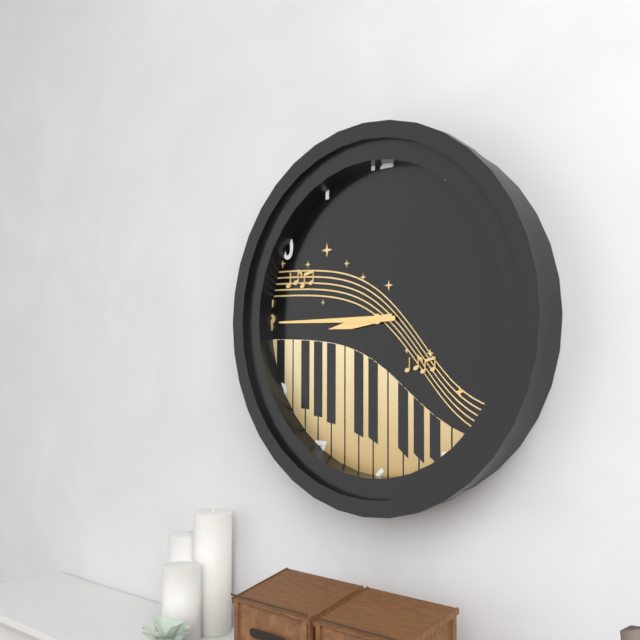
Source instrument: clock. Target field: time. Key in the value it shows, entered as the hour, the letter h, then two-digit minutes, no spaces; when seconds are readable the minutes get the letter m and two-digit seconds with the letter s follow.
8h45
